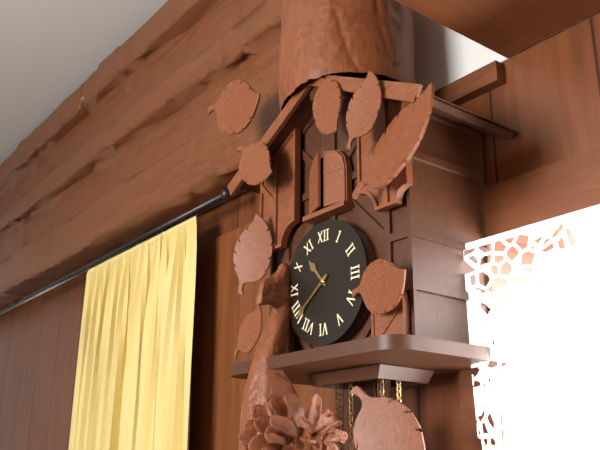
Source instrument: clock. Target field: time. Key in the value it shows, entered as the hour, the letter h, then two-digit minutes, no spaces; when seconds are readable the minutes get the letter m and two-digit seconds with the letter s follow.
10h39
